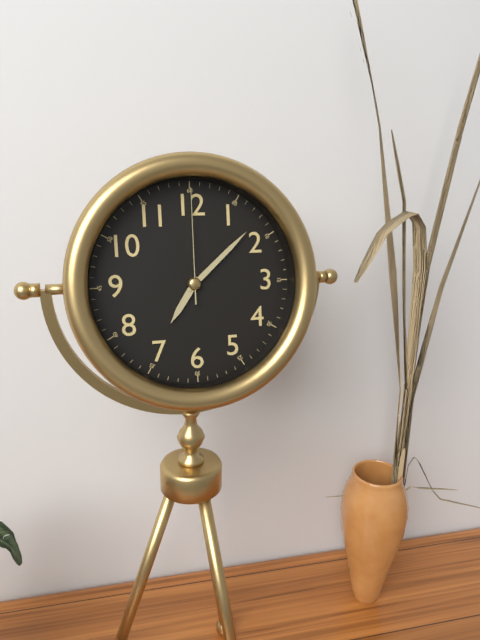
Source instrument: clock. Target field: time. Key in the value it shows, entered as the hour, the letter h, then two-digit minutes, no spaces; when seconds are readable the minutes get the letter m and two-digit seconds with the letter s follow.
7h08m00s
